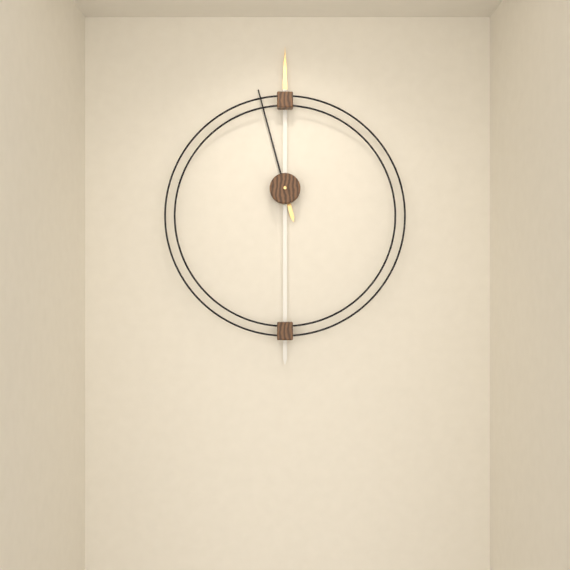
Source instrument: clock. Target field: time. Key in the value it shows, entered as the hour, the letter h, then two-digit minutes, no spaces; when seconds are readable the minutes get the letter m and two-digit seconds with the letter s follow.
11h30
